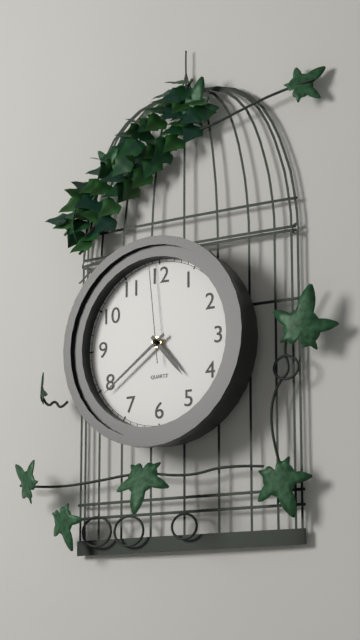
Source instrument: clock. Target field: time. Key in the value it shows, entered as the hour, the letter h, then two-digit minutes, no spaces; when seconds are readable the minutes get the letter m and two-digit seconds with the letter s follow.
4h39m59s
